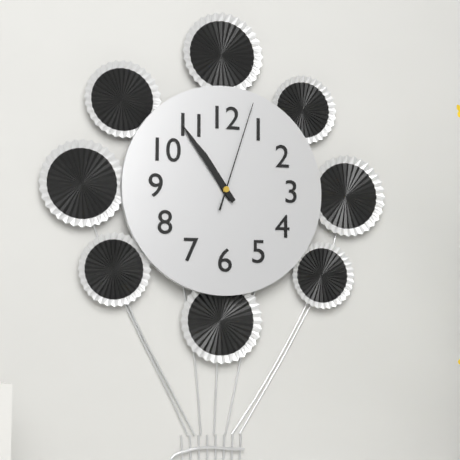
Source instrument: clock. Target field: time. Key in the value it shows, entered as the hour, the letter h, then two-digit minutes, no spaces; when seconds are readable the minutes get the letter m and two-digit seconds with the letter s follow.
10h54m03s
